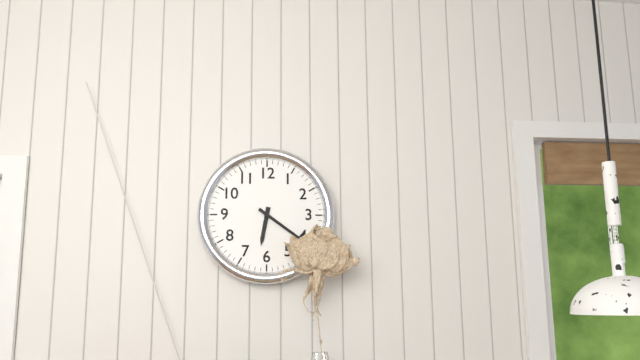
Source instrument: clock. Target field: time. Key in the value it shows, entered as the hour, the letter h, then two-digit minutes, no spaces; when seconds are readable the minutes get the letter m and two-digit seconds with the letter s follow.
6h21
